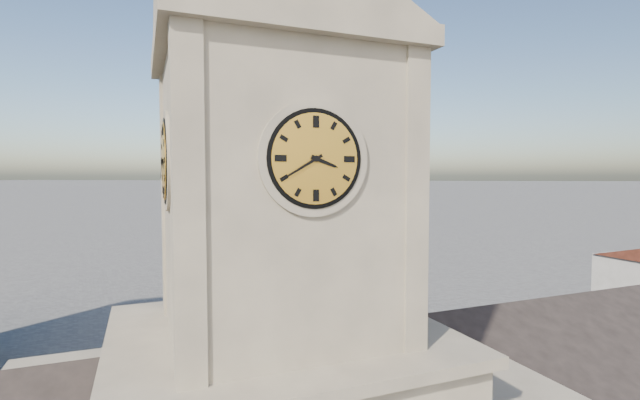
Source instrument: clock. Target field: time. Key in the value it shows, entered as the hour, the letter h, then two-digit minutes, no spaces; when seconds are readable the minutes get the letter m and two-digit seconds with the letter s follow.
3h40
